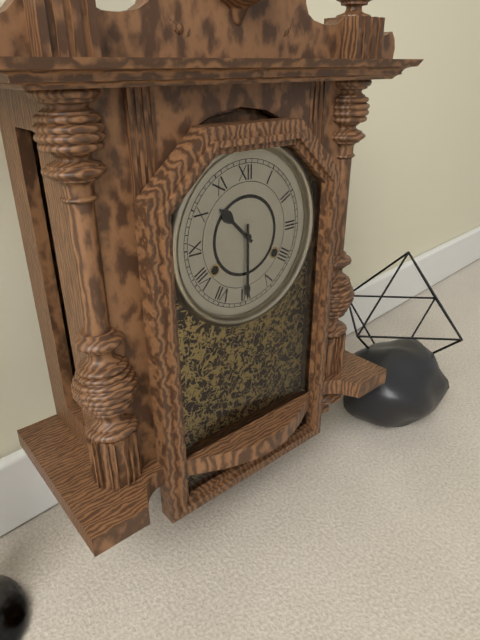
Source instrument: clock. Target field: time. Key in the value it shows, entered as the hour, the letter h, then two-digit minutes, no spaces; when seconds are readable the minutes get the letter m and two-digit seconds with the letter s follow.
10h30
